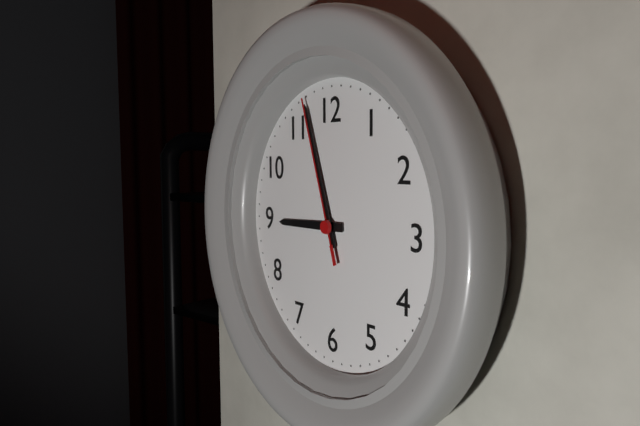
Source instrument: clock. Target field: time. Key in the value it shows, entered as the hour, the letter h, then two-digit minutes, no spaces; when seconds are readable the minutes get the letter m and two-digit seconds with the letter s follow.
8h57m57s
